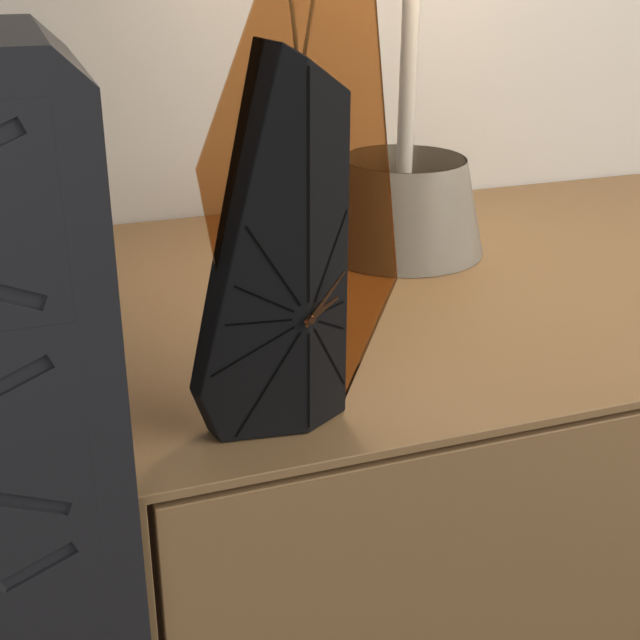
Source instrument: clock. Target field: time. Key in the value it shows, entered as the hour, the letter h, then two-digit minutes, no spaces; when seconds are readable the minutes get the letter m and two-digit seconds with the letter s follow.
2h07
